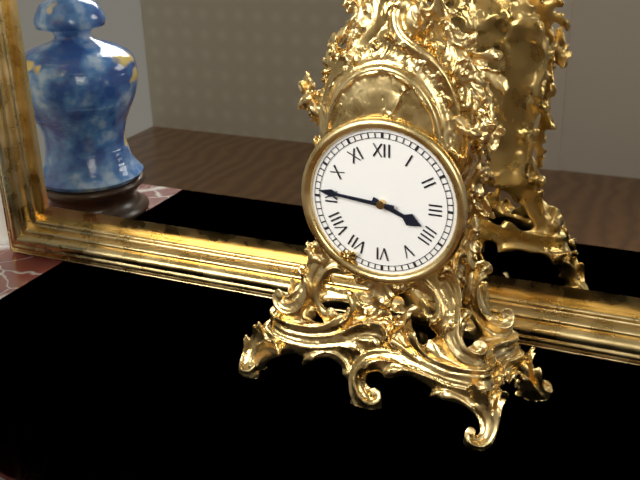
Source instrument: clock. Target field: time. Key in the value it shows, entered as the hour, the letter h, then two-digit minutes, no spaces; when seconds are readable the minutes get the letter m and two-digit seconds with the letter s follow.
3h46
